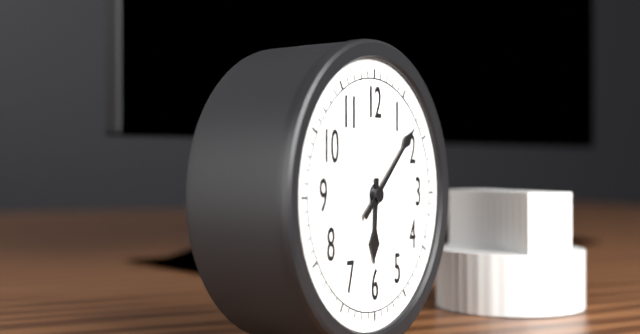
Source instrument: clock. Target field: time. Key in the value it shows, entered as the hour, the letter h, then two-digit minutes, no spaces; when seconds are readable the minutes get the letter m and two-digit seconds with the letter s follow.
6h08
